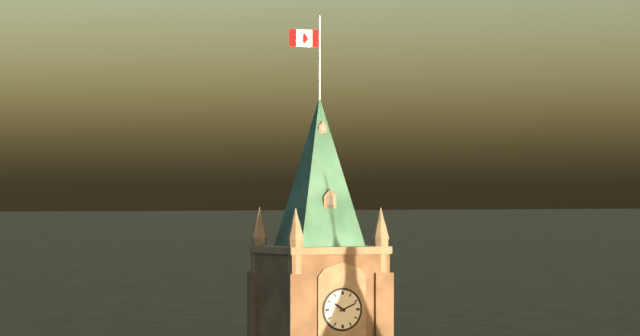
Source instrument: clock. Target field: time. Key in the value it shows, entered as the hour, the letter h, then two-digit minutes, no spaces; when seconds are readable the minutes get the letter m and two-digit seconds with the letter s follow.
10h11
